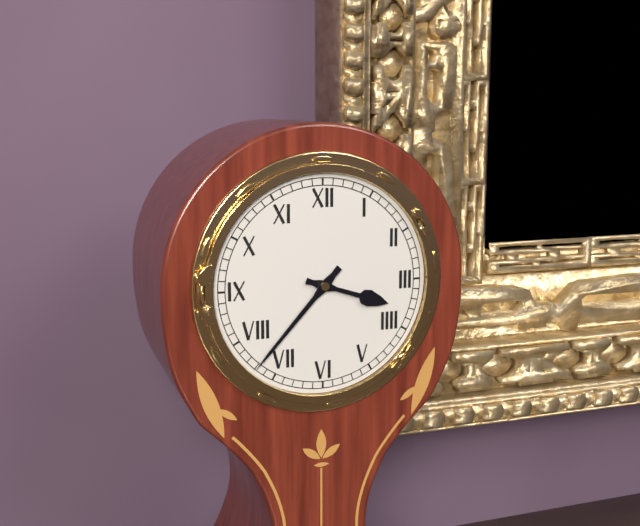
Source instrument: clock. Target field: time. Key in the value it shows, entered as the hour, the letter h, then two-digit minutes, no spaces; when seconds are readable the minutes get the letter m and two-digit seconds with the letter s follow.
3h37
